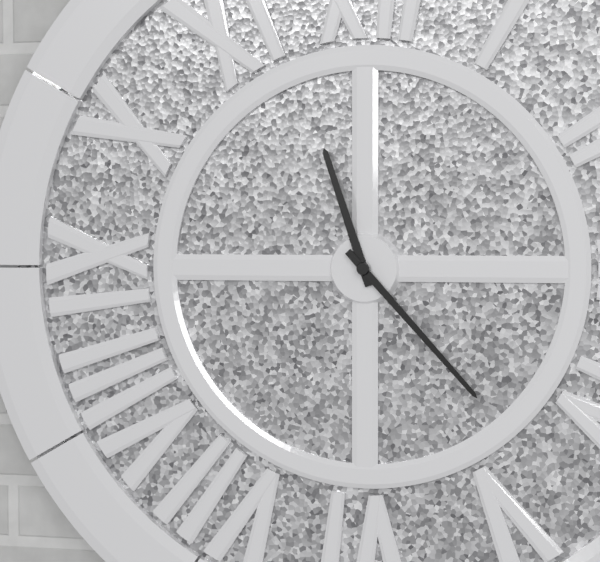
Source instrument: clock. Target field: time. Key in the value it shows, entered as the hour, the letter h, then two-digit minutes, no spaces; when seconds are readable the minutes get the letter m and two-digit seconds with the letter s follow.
11h23
